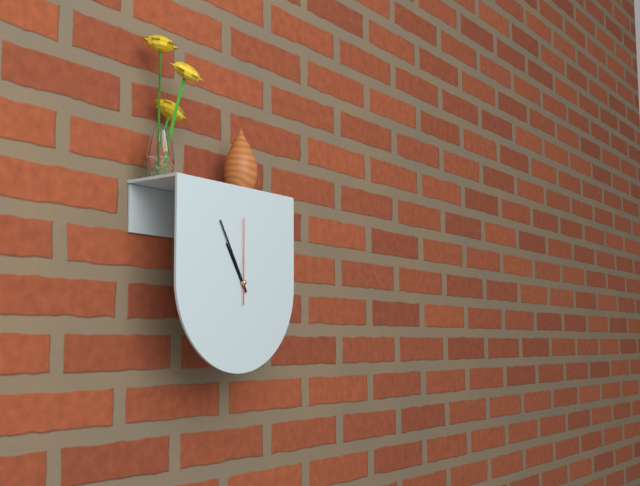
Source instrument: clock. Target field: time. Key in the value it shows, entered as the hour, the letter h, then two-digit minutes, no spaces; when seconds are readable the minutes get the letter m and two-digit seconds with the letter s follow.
10h55m00s
